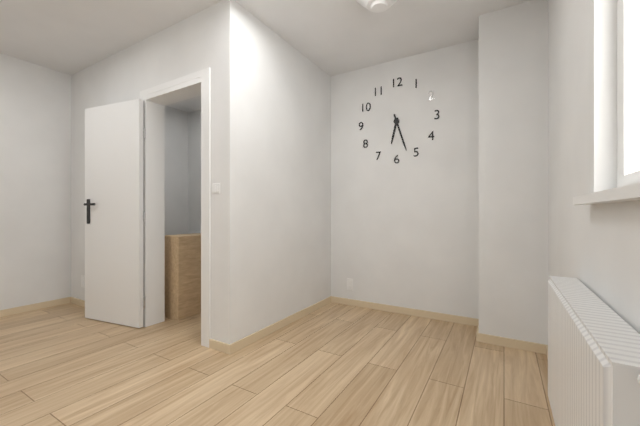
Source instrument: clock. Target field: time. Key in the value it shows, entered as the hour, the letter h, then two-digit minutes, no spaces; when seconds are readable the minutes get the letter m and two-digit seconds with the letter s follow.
6h27
